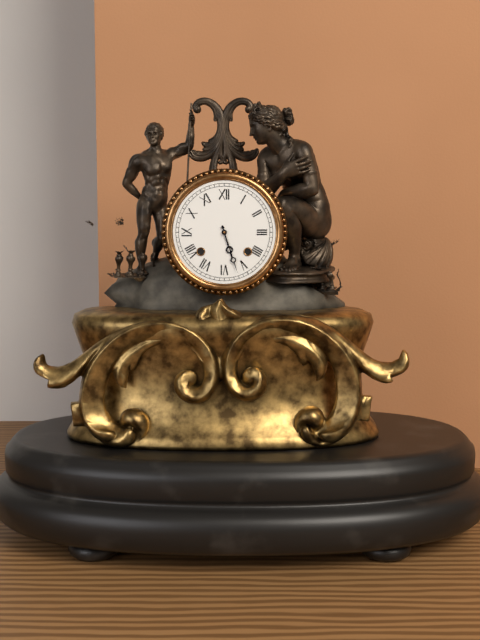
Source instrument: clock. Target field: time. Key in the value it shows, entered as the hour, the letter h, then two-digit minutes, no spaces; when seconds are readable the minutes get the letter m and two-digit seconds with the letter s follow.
5h27
